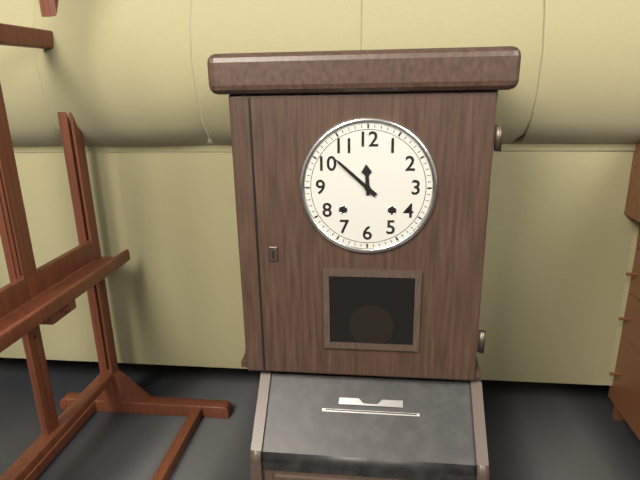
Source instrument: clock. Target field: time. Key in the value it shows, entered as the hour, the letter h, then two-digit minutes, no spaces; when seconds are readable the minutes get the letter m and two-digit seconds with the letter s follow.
11h52
